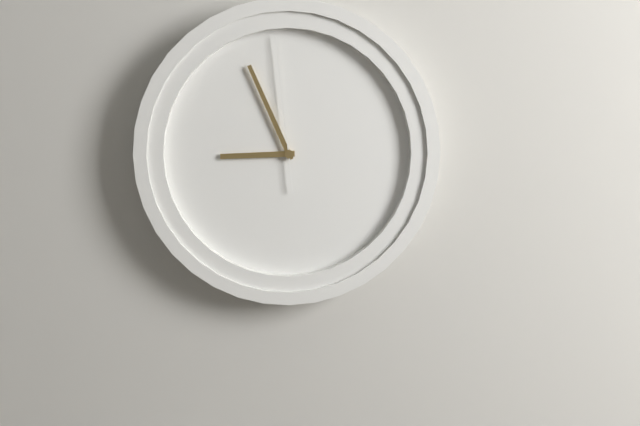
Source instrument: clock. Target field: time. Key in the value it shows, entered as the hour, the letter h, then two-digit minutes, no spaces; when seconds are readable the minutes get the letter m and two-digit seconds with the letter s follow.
8h56m59s
